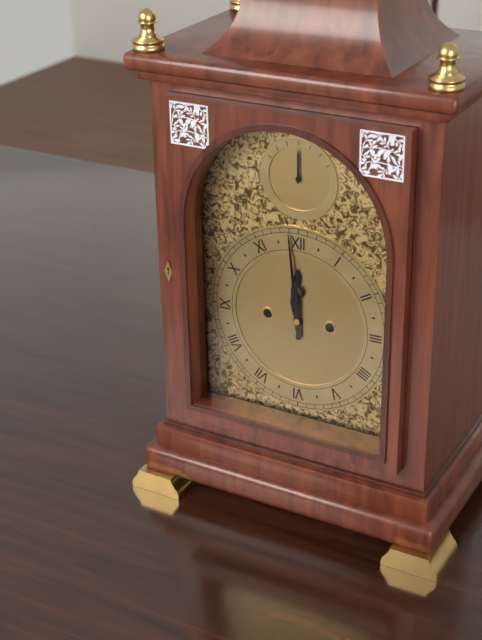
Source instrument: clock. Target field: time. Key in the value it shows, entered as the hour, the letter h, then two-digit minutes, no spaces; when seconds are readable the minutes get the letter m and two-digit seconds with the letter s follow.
11h59
